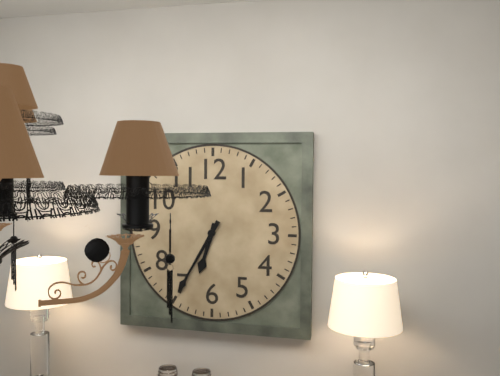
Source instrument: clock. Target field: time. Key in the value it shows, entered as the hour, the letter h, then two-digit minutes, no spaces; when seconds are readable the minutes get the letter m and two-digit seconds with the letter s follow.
6h35
